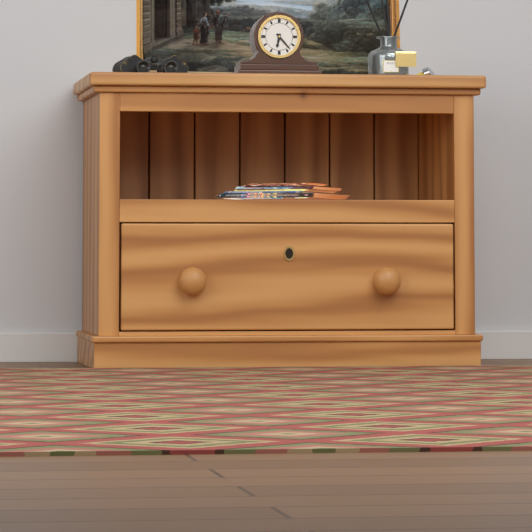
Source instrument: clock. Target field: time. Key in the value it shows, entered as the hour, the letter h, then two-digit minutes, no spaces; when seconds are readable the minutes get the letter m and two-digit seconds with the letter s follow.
6h23
